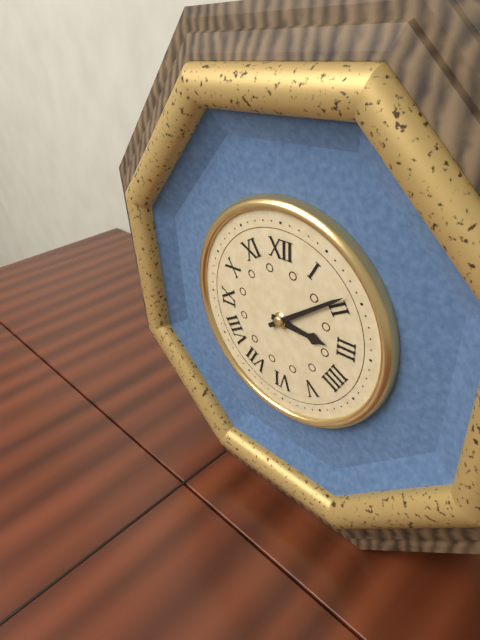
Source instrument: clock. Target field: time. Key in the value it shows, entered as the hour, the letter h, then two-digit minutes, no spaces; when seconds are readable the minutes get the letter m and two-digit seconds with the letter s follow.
3h09
